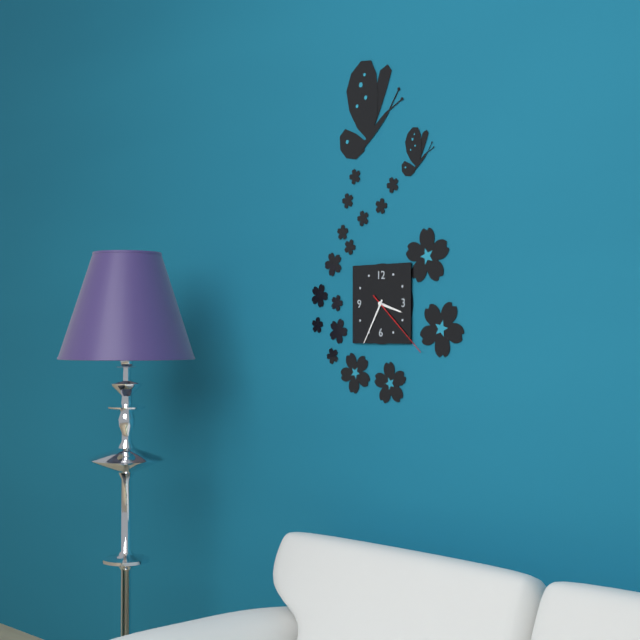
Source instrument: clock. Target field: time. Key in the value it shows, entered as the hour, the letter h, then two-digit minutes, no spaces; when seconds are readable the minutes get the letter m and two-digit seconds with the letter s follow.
3h35m22s
